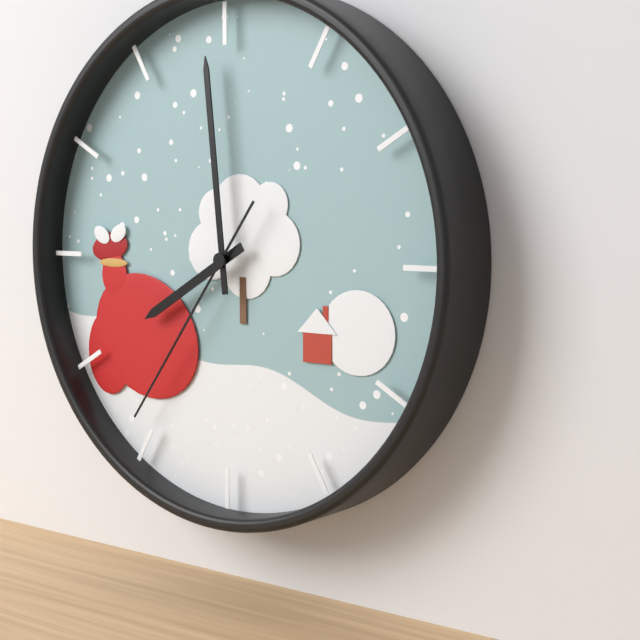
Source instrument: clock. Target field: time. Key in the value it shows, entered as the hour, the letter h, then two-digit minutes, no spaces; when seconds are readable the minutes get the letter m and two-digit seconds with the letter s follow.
7h59m36s
